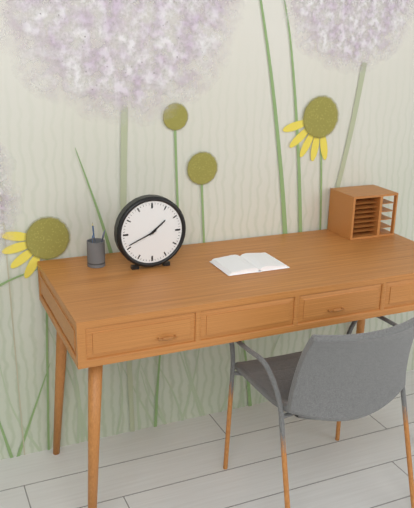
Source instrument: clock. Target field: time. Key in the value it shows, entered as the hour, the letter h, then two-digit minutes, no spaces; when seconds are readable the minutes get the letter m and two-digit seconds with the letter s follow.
1h41
